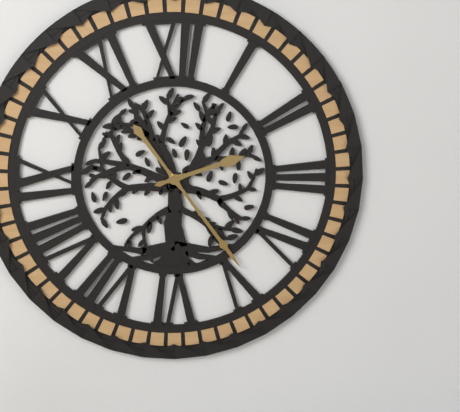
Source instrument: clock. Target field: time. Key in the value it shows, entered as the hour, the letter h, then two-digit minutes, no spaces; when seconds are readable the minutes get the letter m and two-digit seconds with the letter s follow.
2h24
